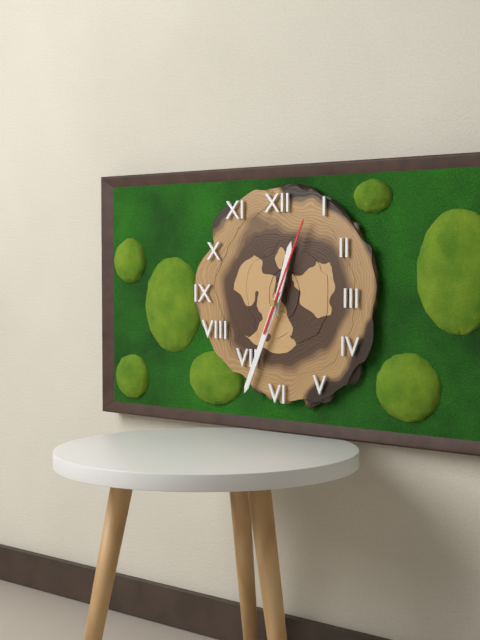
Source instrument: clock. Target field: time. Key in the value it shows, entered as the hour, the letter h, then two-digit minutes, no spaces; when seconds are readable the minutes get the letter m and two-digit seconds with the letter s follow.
12h34m04s
